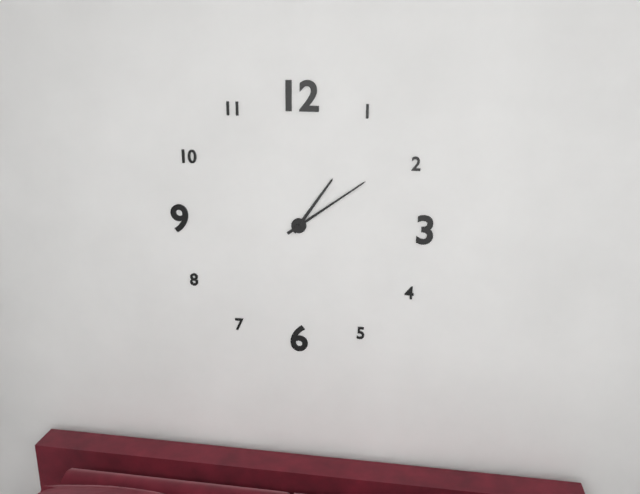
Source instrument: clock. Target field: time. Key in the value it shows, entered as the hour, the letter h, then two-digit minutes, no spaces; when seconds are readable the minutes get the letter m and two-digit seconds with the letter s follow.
1h09
